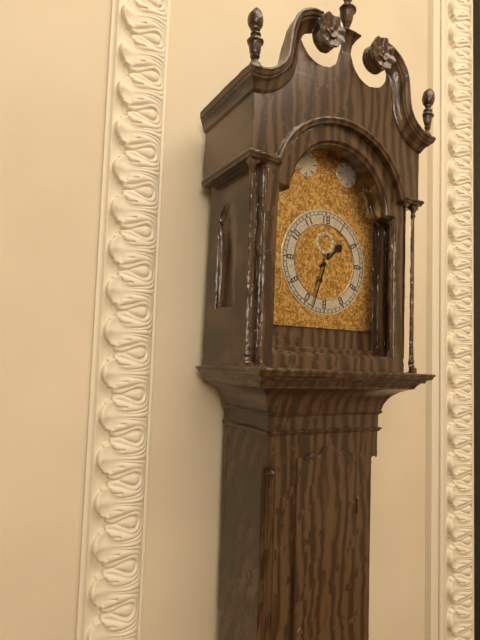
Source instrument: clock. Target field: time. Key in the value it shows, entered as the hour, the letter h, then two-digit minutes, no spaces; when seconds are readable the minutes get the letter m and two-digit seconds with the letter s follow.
1h33
